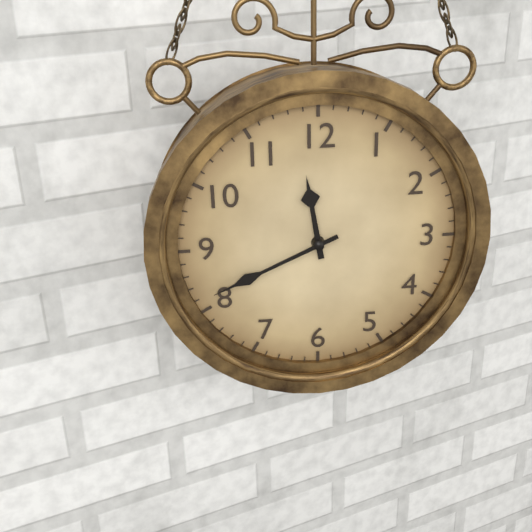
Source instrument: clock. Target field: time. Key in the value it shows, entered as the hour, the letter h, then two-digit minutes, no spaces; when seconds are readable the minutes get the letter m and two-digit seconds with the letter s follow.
11h41
